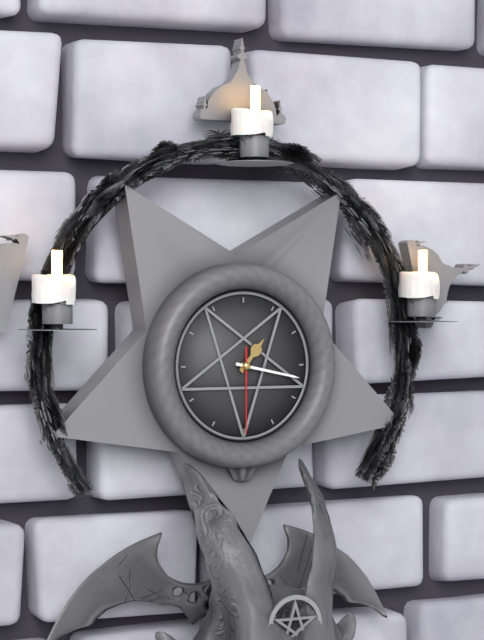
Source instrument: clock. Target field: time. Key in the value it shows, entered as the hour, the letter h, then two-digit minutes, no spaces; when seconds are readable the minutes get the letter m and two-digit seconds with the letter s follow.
1h17m30s
